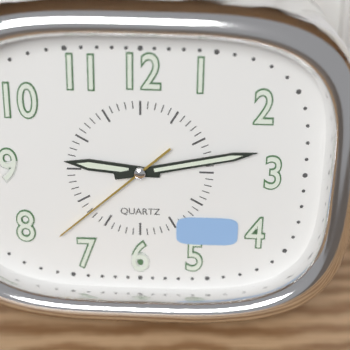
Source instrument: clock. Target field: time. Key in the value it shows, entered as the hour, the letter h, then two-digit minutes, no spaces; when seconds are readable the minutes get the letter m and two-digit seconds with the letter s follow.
9h13m38s
